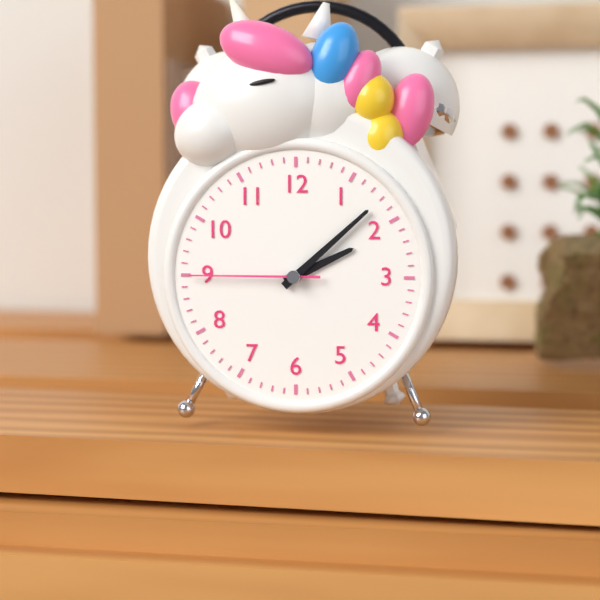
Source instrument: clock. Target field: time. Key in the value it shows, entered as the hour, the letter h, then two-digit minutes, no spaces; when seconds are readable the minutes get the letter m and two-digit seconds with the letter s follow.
2h08m45s
